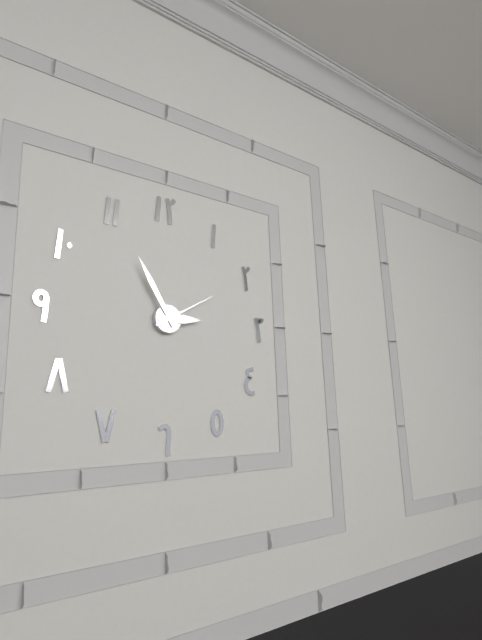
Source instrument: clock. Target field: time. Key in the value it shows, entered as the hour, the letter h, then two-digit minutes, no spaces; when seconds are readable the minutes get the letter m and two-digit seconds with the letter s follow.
2h55m10s
